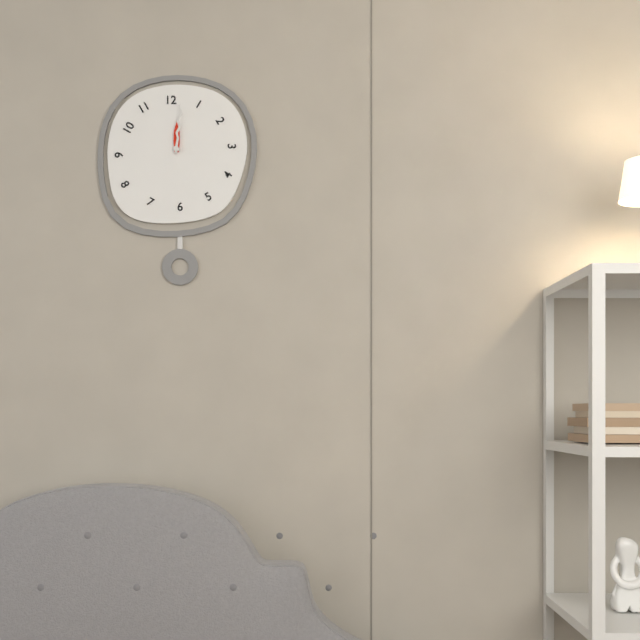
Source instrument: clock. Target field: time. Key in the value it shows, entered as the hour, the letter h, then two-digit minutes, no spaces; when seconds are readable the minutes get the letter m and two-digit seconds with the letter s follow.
12h01
